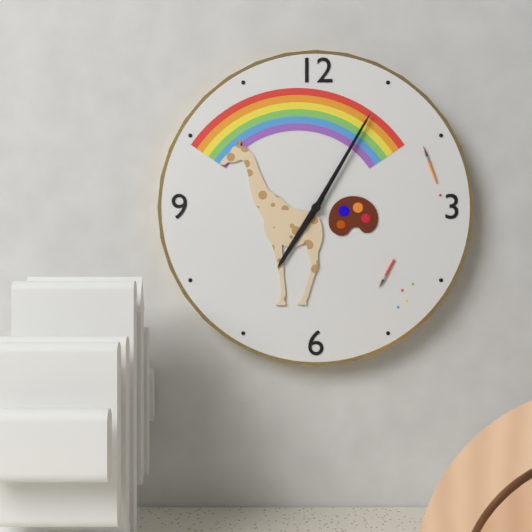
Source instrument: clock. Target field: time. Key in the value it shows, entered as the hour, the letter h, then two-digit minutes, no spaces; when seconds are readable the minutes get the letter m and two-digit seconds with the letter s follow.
7h05m05s
